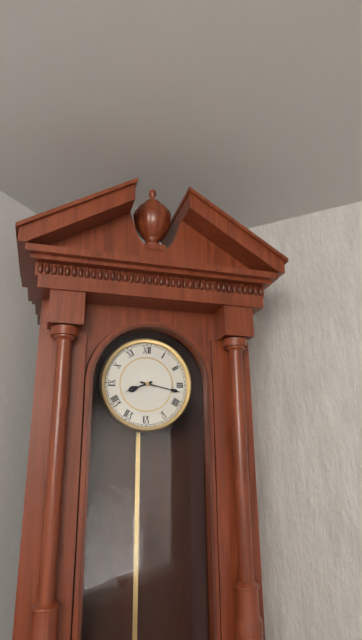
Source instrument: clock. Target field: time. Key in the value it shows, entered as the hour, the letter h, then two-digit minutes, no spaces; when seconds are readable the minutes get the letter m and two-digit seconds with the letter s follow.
8h17
